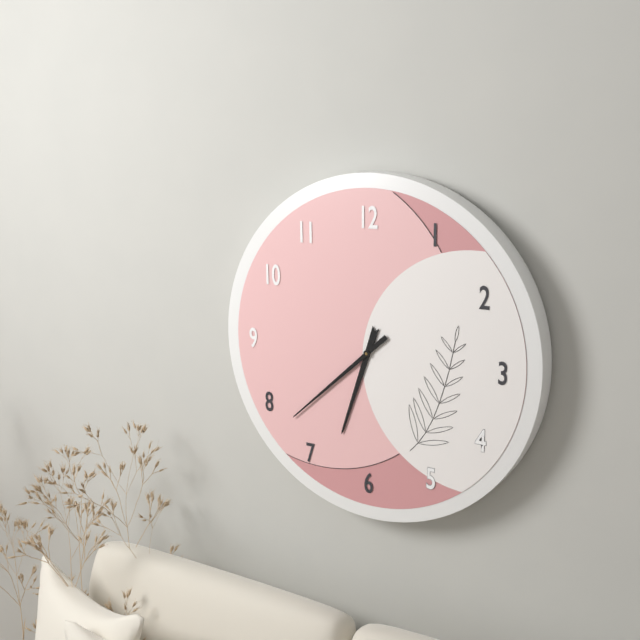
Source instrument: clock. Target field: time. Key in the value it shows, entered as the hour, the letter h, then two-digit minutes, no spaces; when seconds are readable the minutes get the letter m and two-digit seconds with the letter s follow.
6h38
